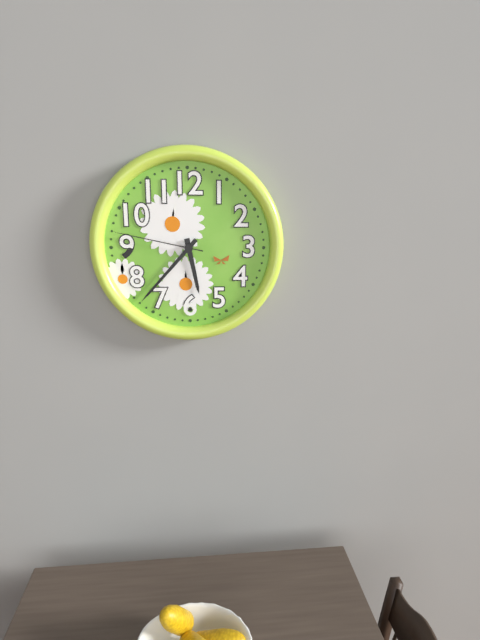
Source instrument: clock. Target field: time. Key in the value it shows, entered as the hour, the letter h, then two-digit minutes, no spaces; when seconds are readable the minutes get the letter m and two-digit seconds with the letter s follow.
5h37m47s
